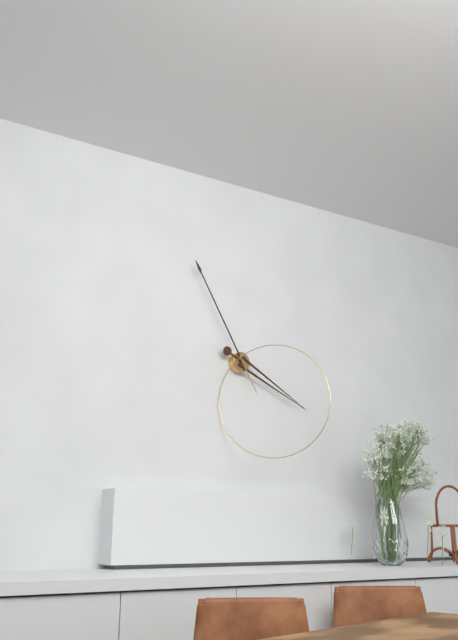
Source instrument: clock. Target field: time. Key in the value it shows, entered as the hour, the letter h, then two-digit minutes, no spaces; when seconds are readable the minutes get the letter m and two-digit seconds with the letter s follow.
3h55
